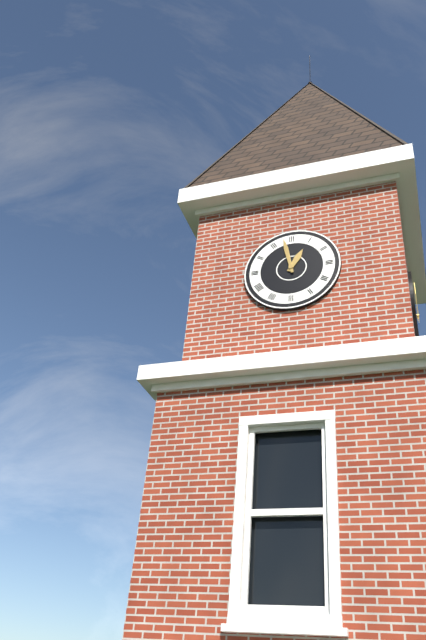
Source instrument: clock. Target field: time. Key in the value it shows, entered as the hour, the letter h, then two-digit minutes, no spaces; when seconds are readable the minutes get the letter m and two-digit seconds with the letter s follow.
12h58
